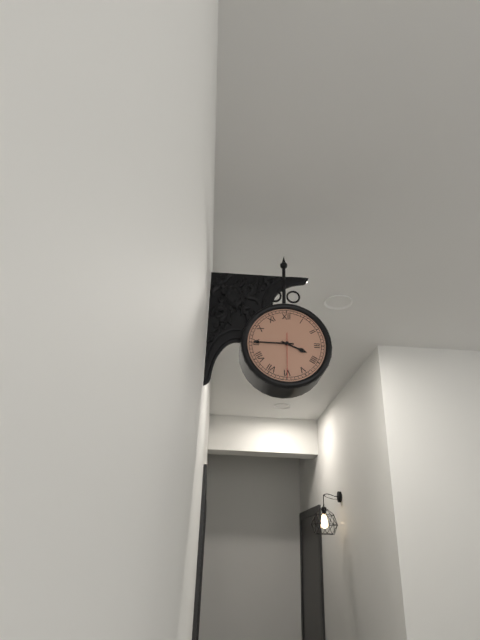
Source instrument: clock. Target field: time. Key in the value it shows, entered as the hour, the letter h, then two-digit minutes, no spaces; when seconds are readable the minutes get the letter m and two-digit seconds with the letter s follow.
3h45
